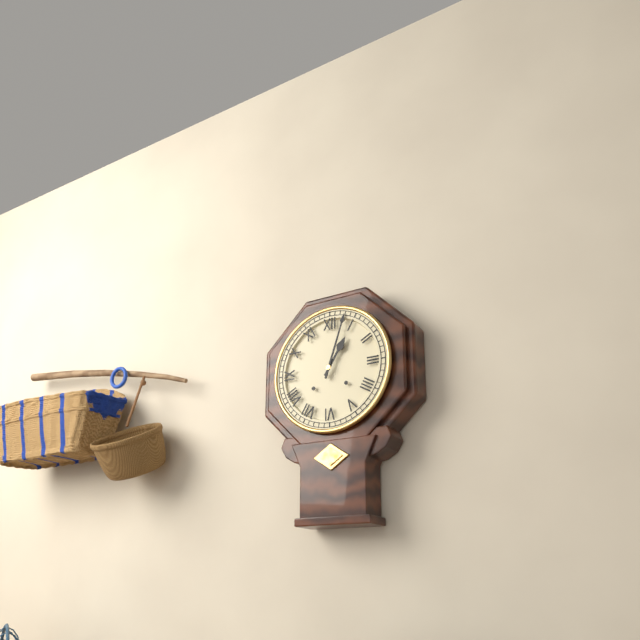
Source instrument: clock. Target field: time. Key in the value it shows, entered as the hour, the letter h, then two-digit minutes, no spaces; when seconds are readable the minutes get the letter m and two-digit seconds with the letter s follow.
1h03
